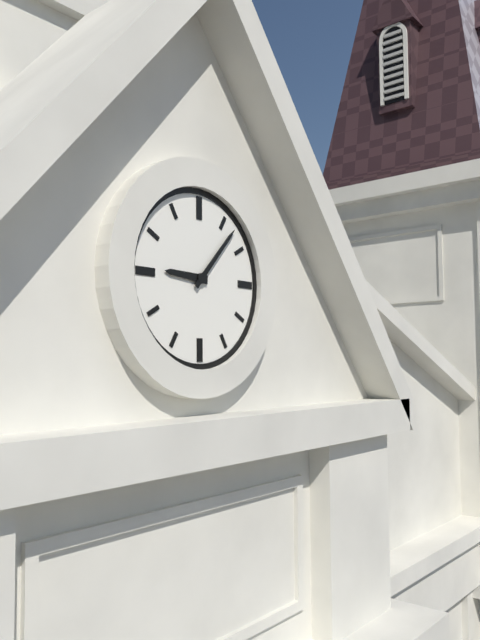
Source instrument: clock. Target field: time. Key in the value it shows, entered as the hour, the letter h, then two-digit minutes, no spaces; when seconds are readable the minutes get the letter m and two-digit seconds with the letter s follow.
9h07
